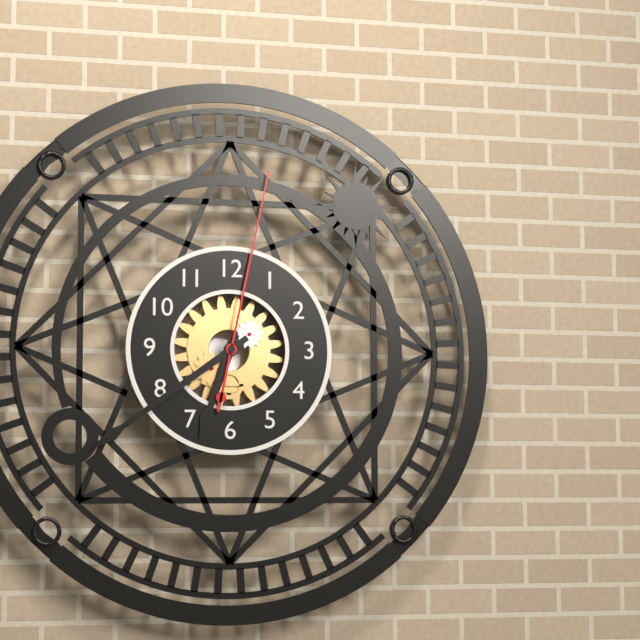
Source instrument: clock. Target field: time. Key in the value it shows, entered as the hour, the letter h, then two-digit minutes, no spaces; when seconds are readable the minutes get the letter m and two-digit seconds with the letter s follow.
6h39m02s
